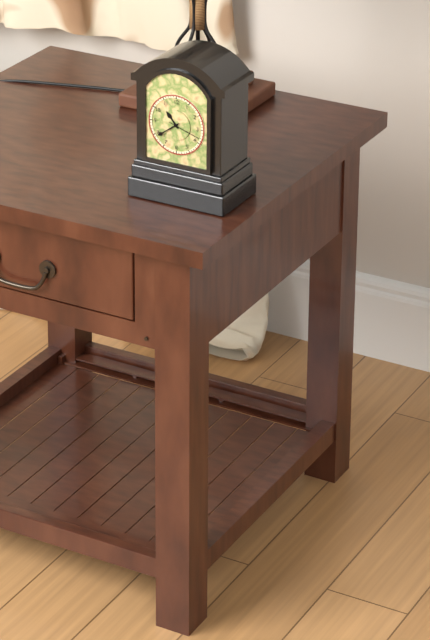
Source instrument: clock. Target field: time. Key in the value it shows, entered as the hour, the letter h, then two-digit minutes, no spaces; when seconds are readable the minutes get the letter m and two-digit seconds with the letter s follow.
10h39
